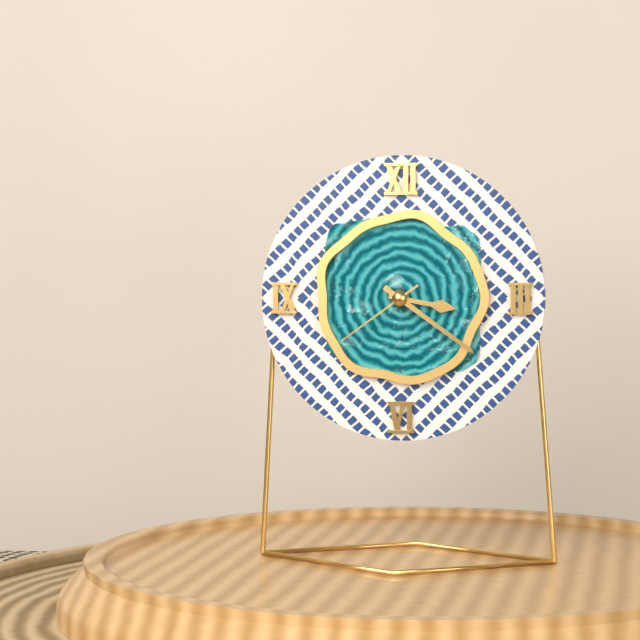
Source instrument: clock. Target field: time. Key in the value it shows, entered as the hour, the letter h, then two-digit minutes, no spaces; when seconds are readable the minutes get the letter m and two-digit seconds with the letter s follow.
3h21m39s
